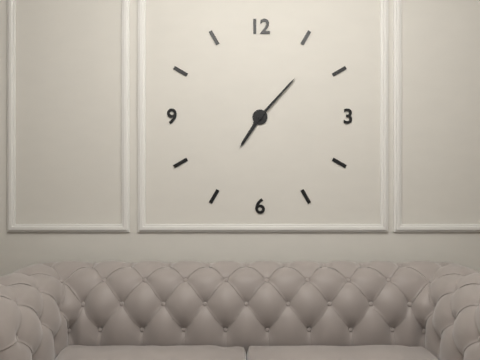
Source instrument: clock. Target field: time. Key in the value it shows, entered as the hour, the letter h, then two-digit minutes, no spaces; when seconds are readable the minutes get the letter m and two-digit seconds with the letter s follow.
7h07
